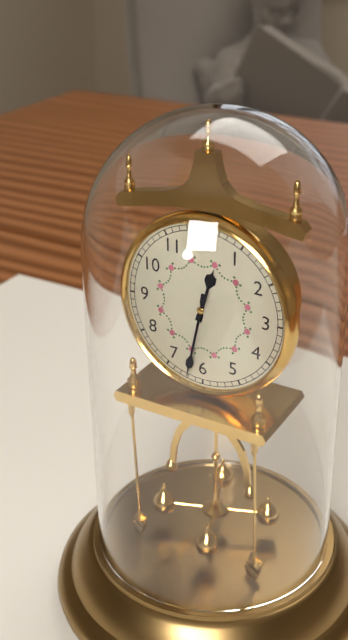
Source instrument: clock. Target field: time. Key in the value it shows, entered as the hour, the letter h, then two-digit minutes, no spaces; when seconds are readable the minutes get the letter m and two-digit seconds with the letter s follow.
12h32
